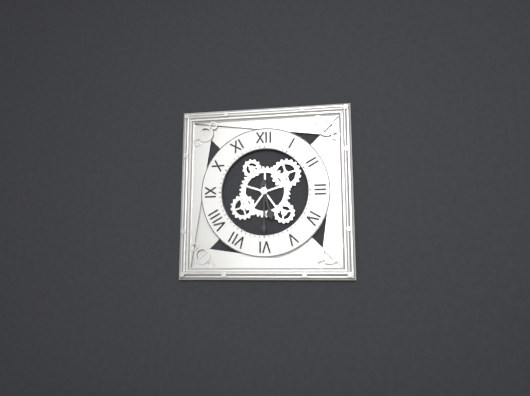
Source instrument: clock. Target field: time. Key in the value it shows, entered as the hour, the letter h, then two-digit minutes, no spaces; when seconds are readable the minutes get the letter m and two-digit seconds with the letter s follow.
5h30
